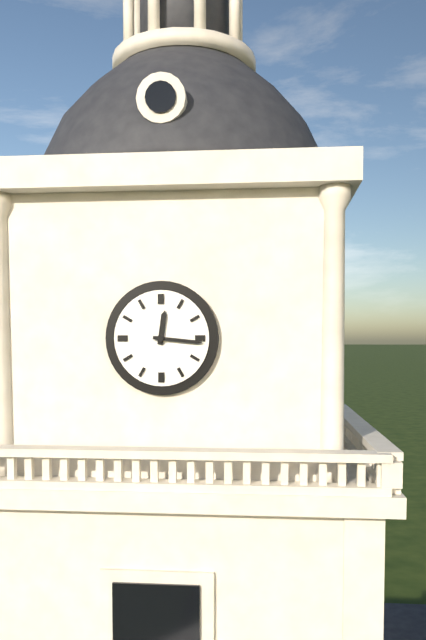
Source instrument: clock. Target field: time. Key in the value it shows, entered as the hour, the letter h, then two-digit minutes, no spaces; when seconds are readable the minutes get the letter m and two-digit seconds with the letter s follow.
12h16
